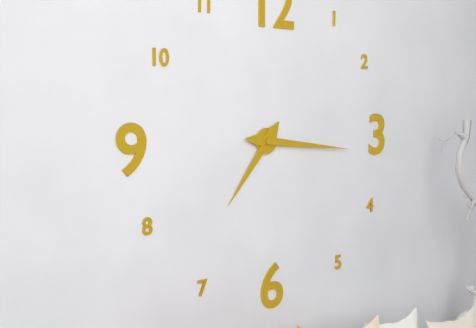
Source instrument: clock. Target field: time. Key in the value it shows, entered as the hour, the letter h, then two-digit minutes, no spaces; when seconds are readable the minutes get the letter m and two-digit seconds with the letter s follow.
7h16
